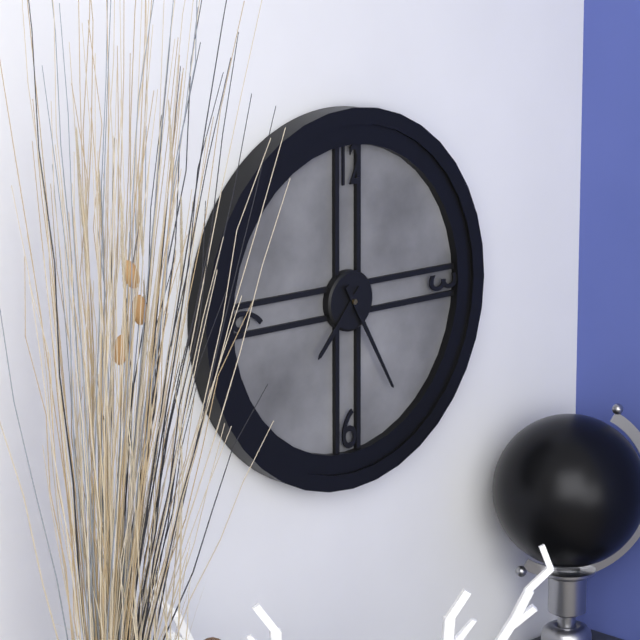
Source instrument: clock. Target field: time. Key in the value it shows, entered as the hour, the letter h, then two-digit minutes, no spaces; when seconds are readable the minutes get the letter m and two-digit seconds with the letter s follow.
7h25
